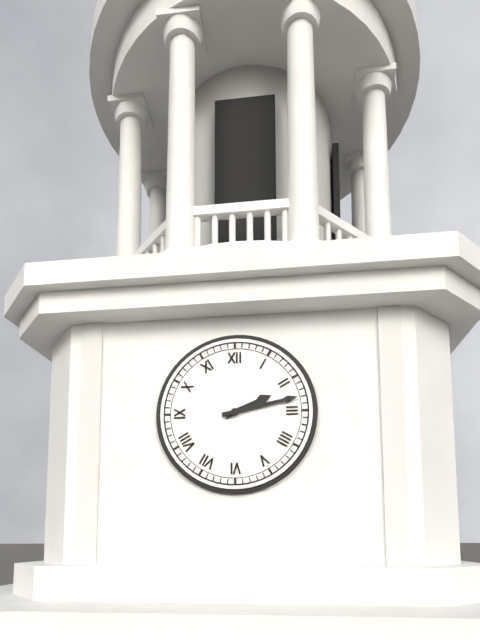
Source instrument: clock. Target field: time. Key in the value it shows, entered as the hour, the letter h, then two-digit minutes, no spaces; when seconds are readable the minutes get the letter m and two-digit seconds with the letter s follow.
2h13
